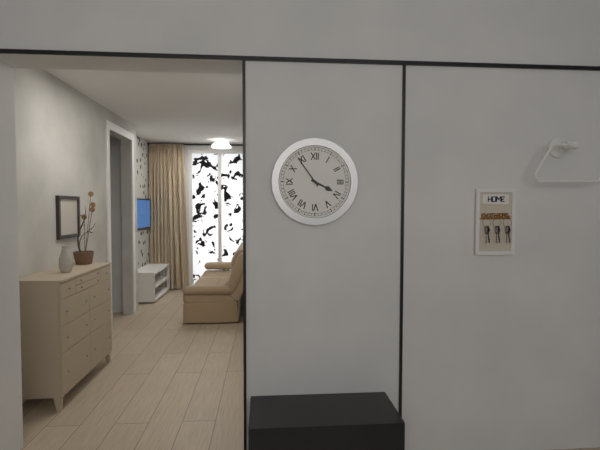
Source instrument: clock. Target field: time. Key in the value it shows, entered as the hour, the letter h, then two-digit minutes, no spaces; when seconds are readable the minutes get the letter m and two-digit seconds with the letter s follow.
3h54
